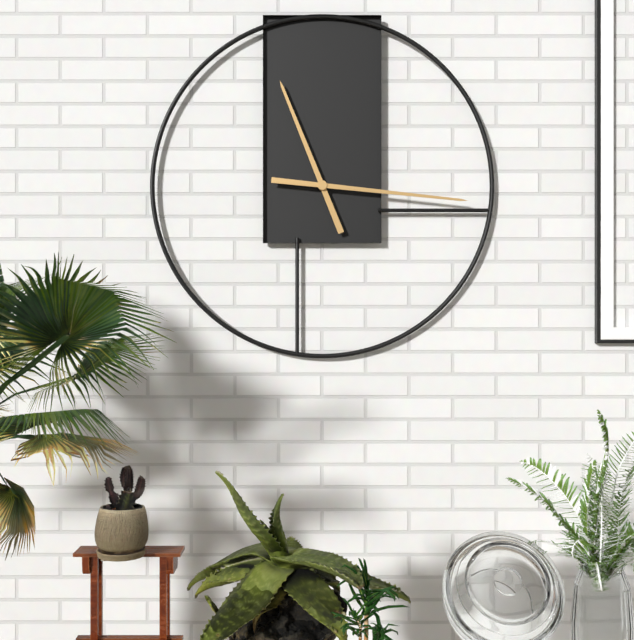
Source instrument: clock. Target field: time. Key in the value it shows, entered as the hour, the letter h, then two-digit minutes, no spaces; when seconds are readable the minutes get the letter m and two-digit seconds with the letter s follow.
11h16
